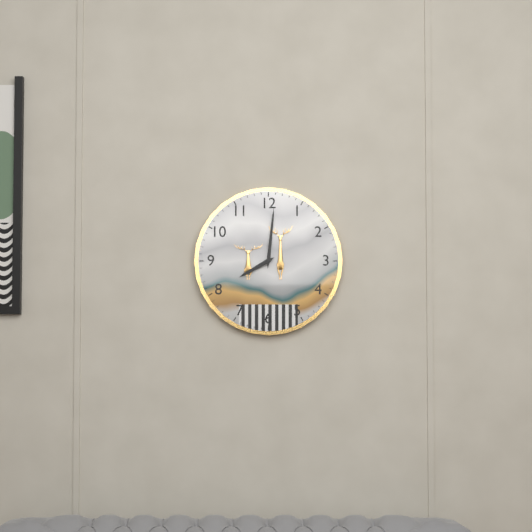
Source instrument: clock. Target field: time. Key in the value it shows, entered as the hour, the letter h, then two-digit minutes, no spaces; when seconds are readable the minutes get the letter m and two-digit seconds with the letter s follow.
8h01
